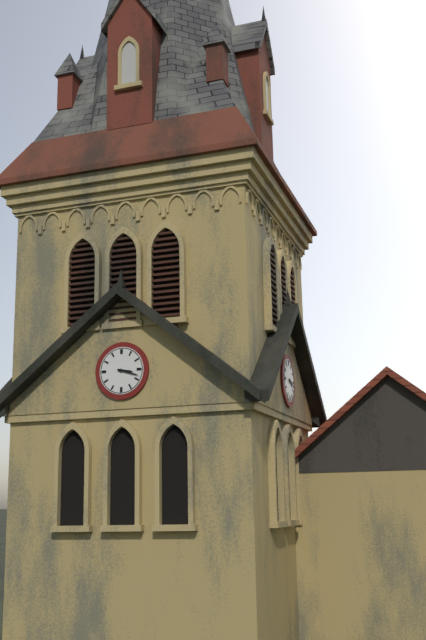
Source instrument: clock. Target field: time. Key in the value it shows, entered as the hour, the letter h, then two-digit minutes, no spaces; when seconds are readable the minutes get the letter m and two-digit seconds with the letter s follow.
3h18
